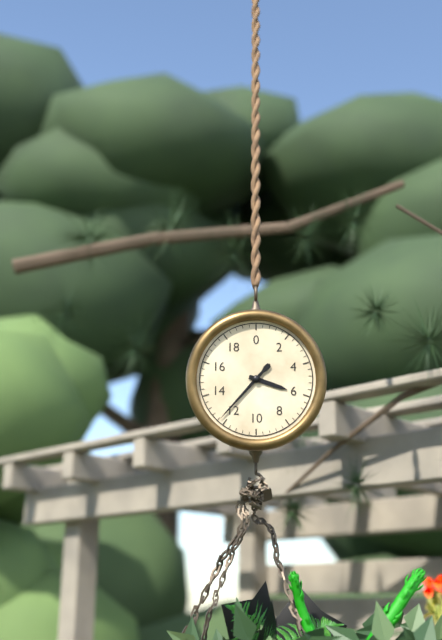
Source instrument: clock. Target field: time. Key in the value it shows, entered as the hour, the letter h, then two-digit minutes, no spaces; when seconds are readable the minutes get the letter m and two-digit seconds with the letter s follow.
3h37
